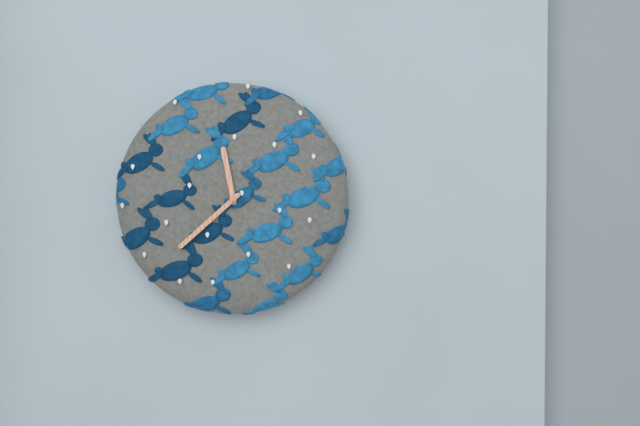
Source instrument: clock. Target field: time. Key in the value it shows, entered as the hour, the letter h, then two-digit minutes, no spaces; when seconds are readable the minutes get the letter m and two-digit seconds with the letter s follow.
11h38
